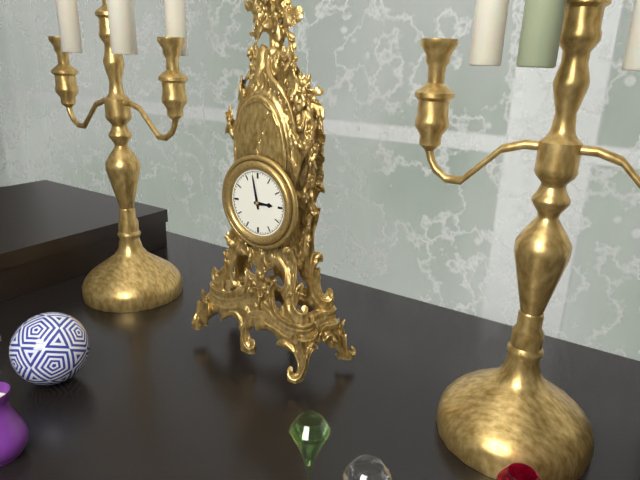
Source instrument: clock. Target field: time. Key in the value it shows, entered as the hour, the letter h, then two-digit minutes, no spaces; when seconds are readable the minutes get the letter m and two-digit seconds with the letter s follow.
2h58
